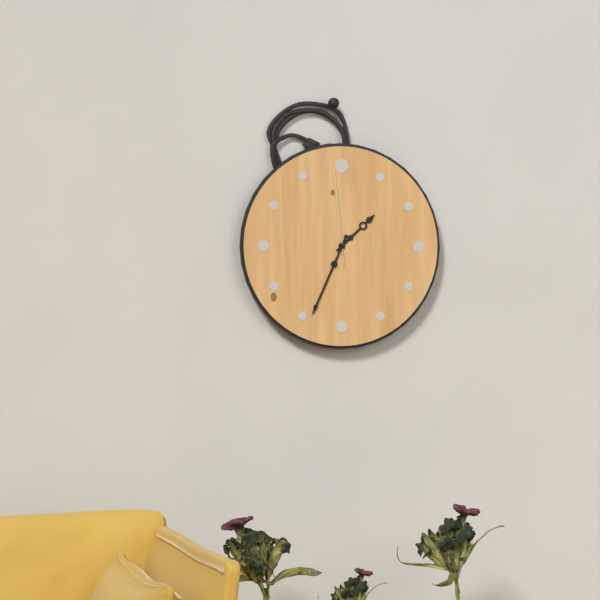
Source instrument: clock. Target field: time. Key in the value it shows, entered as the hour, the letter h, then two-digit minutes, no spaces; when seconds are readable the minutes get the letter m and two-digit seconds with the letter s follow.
1h34m59s
